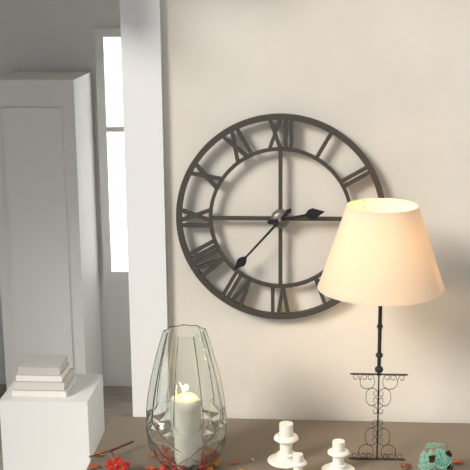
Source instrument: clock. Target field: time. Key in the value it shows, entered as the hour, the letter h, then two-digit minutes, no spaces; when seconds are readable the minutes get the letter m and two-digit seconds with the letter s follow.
2h37
